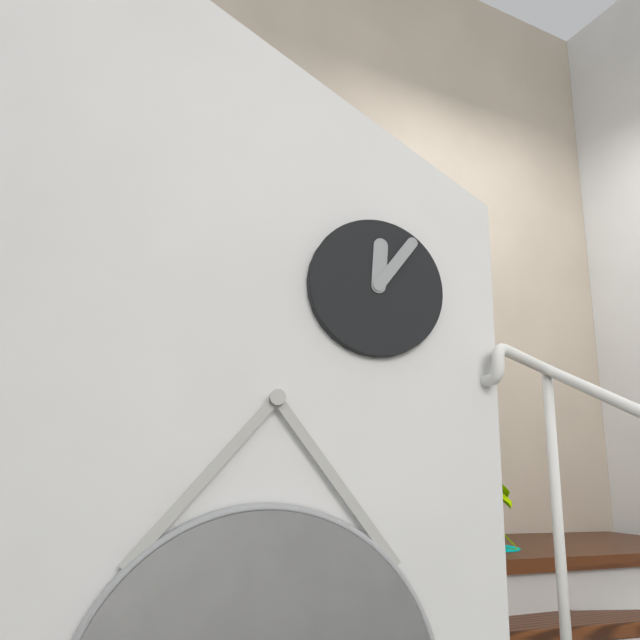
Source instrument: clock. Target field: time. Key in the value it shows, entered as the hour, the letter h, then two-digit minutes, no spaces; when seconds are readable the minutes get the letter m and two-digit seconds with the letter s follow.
12h06
